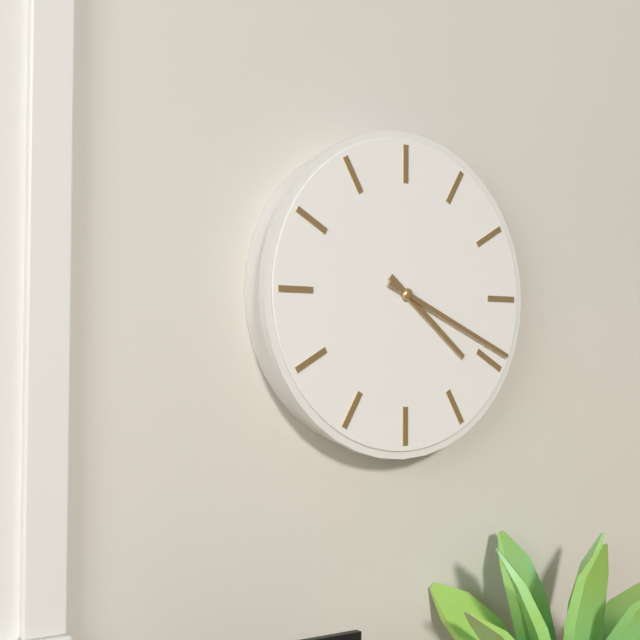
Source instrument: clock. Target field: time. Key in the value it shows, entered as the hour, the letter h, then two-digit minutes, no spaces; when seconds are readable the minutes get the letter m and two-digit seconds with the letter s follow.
4h19
